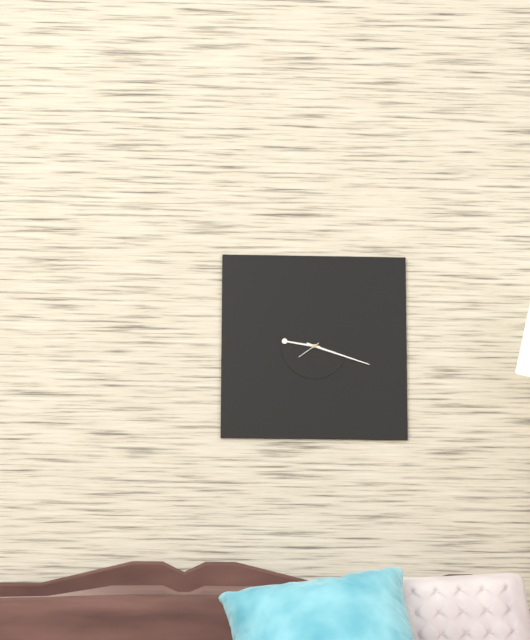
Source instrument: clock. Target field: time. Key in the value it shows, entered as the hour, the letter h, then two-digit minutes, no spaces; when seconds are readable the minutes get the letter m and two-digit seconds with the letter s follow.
9h18
